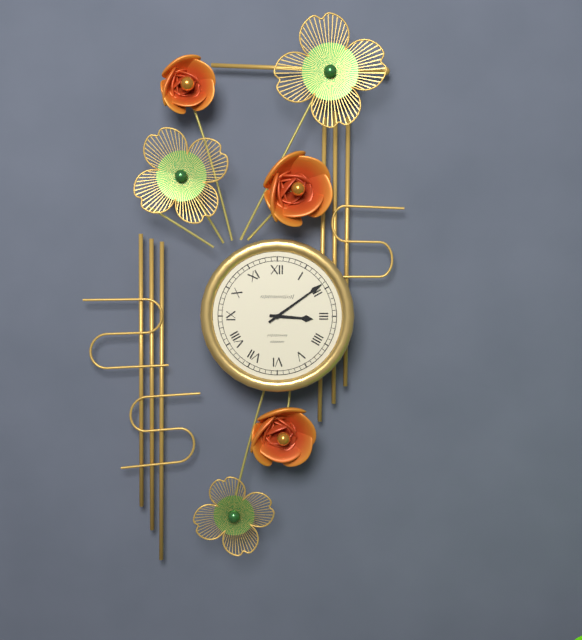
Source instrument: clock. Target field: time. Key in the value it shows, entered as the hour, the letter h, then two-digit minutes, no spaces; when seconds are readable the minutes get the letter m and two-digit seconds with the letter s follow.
3h09
